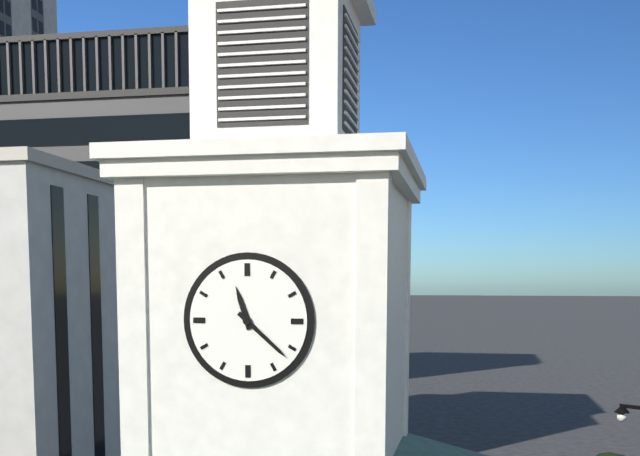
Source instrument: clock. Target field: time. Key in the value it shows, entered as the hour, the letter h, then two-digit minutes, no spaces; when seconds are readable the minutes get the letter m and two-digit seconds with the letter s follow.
11h22
